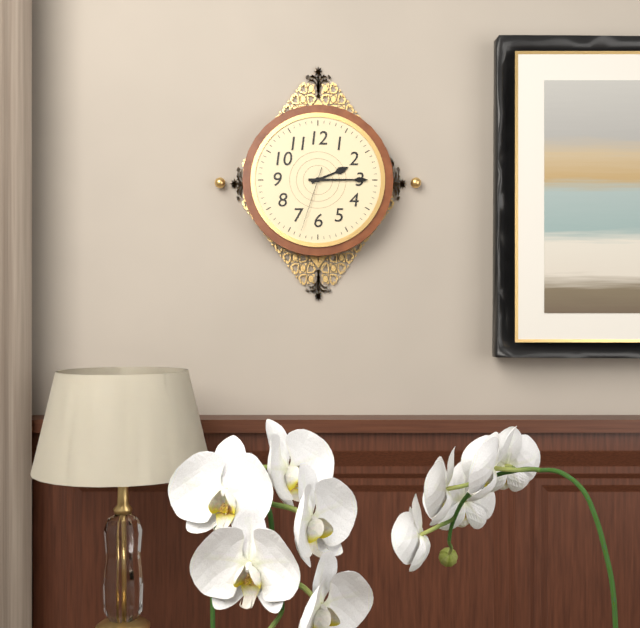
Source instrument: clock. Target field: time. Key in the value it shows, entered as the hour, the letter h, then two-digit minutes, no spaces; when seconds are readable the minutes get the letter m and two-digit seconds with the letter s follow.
2h15m33s
